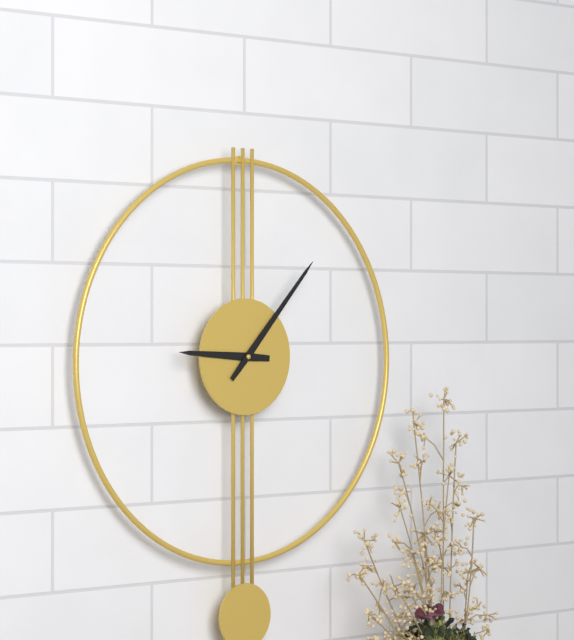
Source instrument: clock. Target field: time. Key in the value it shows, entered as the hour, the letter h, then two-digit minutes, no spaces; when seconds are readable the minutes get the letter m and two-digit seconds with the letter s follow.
9h07
